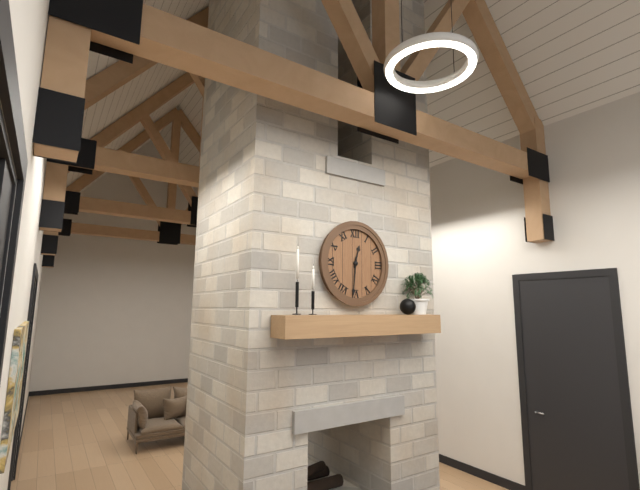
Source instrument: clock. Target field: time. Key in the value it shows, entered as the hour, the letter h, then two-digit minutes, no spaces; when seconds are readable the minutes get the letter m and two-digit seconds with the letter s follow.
12h31
